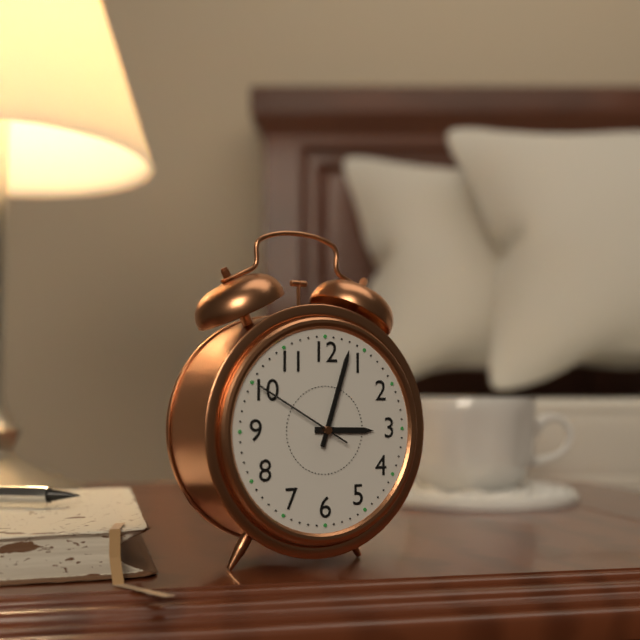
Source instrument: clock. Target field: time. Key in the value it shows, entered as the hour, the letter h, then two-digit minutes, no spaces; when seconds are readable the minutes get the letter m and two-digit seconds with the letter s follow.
3h03m50s
